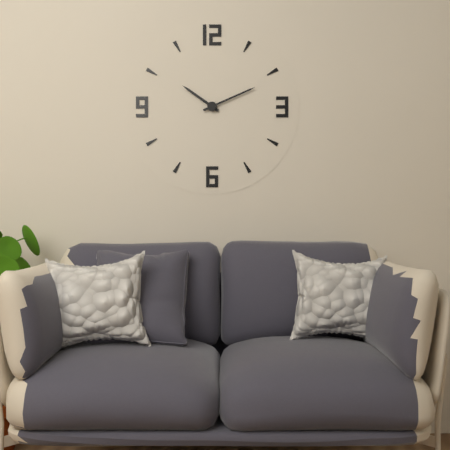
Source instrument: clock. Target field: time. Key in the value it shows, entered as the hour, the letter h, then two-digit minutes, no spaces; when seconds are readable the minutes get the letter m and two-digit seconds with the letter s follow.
10h11
